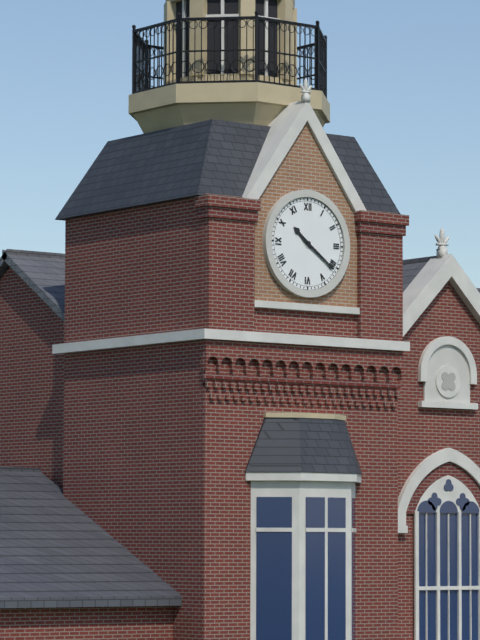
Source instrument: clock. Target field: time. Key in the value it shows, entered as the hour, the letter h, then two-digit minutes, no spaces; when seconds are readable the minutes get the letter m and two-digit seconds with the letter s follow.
10h21
